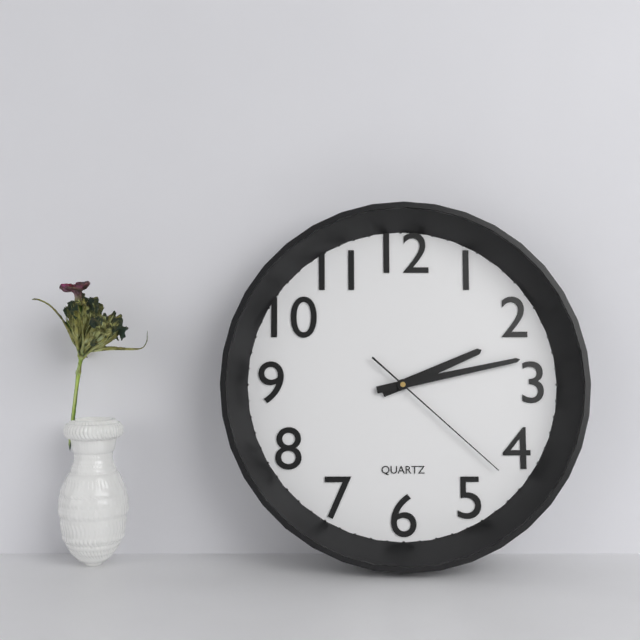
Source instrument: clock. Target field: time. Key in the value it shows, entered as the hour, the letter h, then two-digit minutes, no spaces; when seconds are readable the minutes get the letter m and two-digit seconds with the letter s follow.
2h13m22s
